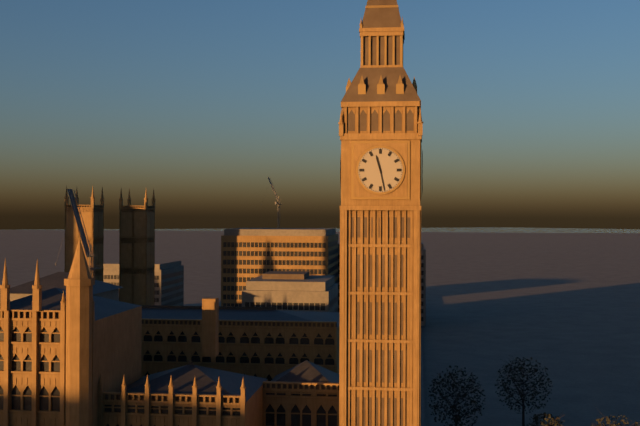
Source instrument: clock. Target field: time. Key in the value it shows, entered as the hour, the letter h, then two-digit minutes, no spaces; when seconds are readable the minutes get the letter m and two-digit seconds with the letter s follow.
11h28
